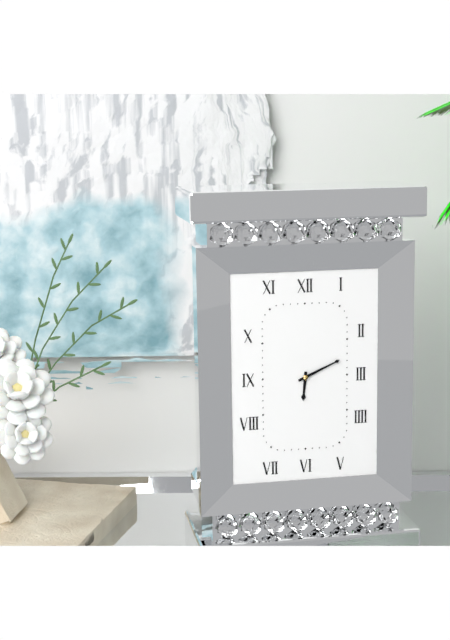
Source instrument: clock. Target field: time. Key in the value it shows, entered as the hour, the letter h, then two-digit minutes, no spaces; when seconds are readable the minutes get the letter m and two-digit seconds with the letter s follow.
6h11
